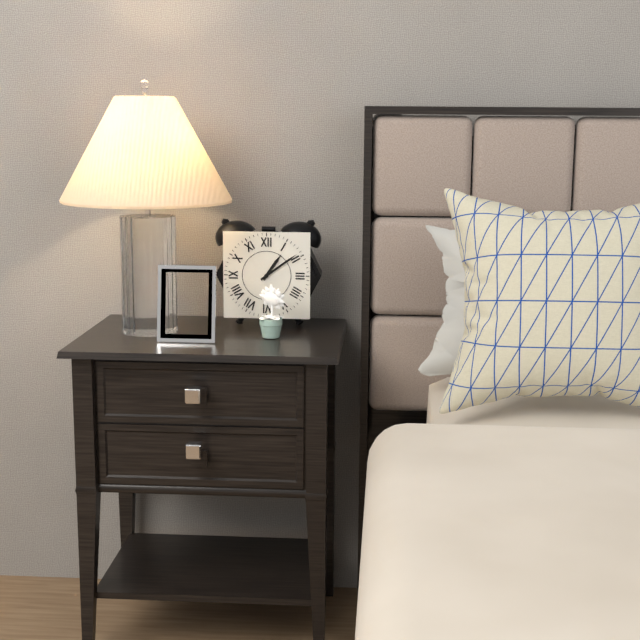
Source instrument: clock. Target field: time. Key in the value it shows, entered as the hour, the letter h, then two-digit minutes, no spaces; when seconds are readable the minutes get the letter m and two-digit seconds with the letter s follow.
1h09
